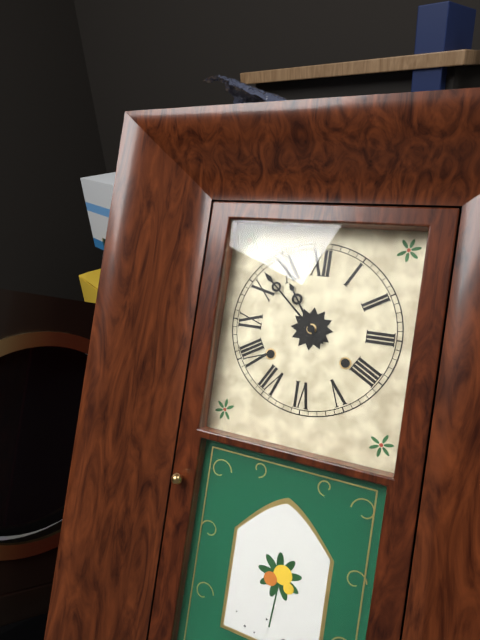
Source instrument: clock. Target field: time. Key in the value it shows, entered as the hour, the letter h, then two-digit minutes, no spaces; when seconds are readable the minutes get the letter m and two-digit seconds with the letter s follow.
10h52
